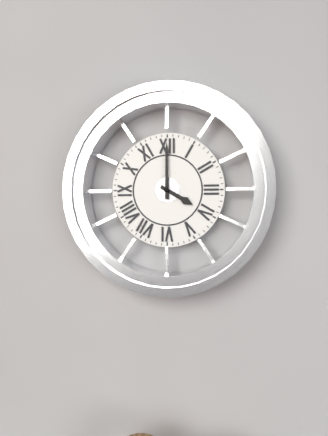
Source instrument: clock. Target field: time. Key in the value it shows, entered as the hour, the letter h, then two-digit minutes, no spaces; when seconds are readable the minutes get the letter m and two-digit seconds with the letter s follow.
4h00
